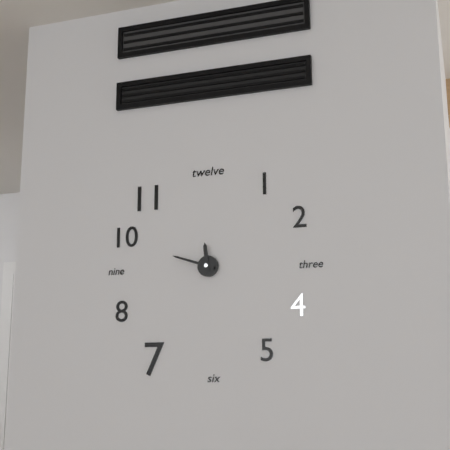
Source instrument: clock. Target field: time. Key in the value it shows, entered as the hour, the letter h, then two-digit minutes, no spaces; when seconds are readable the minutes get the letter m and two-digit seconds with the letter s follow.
11h48
